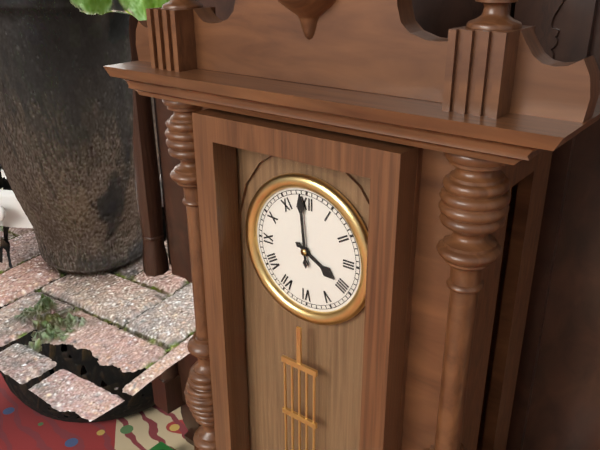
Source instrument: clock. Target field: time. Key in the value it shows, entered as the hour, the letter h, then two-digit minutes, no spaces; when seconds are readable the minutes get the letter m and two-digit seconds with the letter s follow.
3h59
